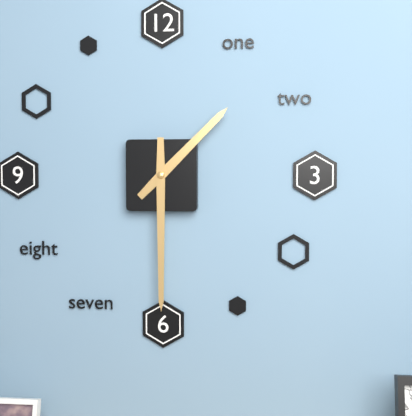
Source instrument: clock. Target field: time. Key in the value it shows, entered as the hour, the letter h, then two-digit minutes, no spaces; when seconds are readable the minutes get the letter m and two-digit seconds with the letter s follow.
1h30
